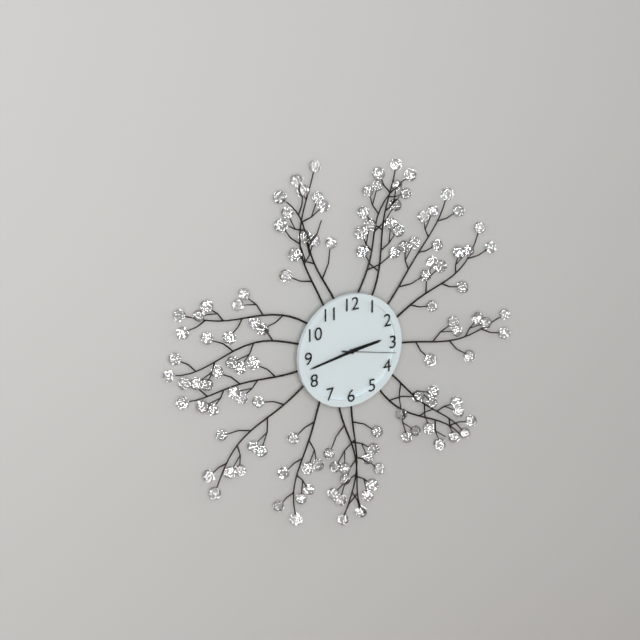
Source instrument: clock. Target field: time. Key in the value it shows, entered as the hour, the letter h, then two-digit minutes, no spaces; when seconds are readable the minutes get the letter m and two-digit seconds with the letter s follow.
2h43m17s
